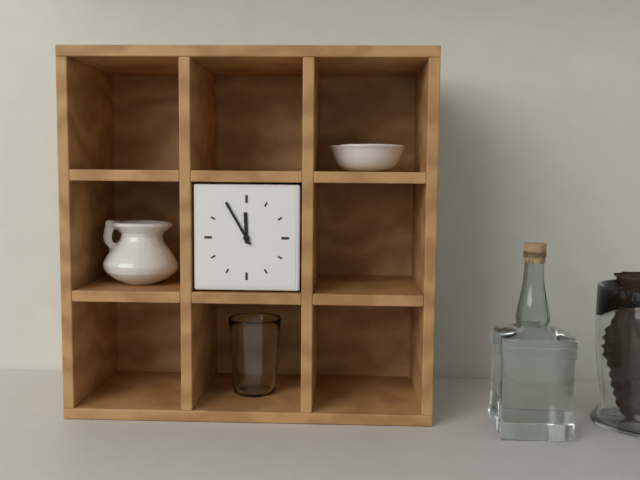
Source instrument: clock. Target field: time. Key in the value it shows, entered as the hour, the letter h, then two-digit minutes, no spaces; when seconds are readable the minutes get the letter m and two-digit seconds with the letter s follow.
11h55
